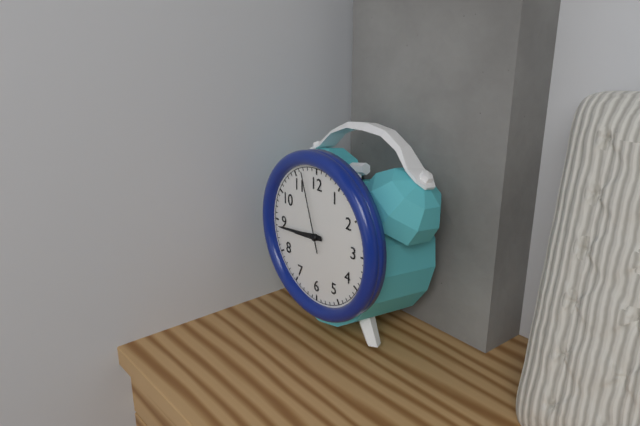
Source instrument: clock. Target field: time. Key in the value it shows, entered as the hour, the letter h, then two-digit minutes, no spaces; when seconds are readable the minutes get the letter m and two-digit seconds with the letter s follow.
8h44m57s
